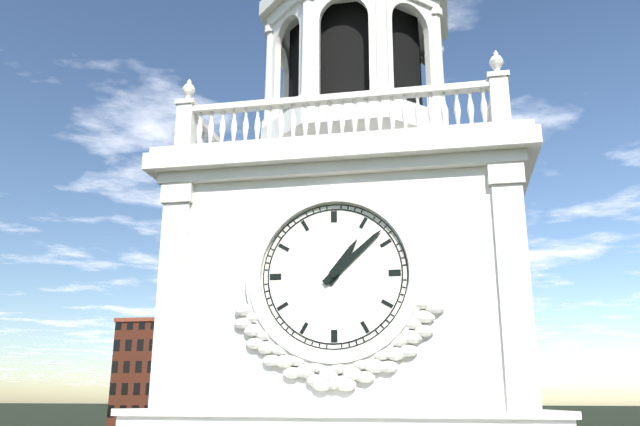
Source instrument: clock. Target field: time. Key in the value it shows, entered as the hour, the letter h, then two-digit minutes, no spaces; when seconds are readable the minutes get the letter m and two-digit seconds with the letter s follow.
1h08
